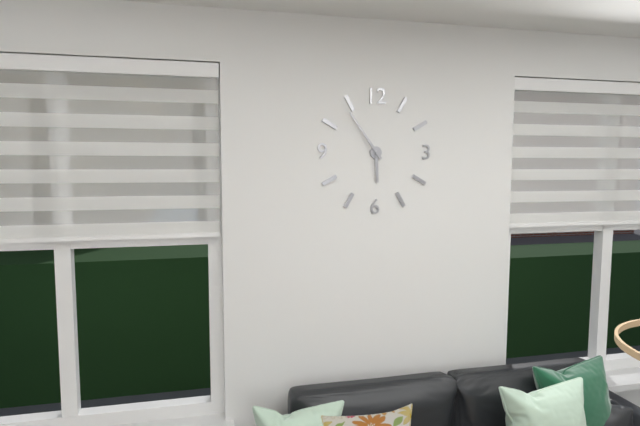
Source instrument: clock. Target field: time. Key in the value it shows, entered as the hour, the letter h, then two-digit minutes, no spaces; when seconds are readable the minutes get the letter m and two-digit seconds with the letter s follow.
5h54
